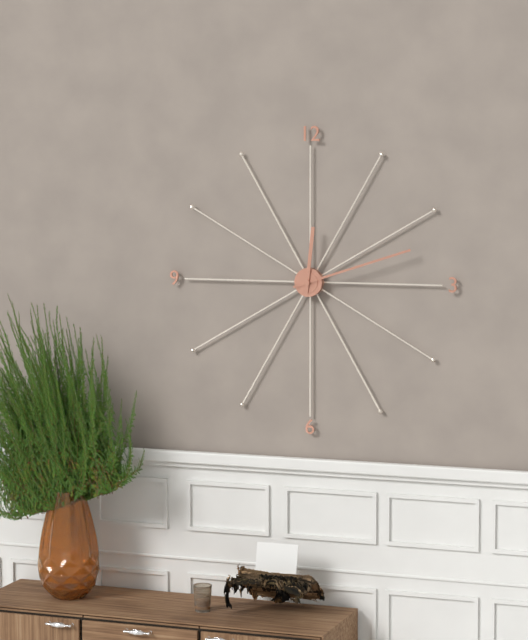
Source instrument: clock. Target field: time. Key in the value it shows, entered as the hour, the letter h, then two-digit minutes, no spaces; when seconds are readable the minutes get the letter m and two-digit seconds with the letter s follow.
12h12
